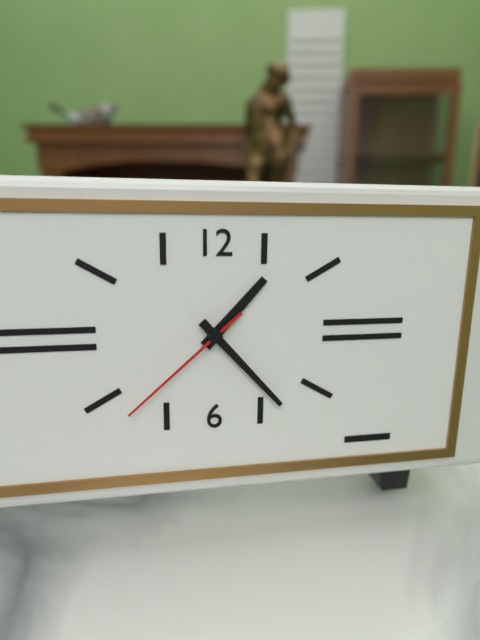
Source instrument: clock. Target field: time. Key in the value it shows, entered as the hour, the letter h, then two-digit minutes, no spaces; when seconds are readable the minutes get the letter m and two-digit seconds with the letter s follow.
1h23m38s
